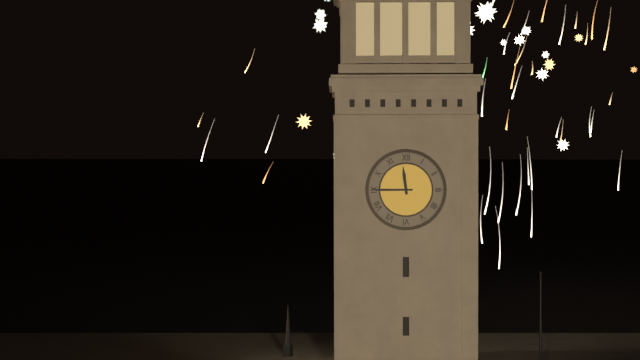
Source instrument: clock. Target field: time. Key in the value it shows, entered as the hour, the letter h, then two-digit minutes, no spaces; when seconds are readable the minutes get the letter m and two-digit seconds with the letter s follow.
11h45
